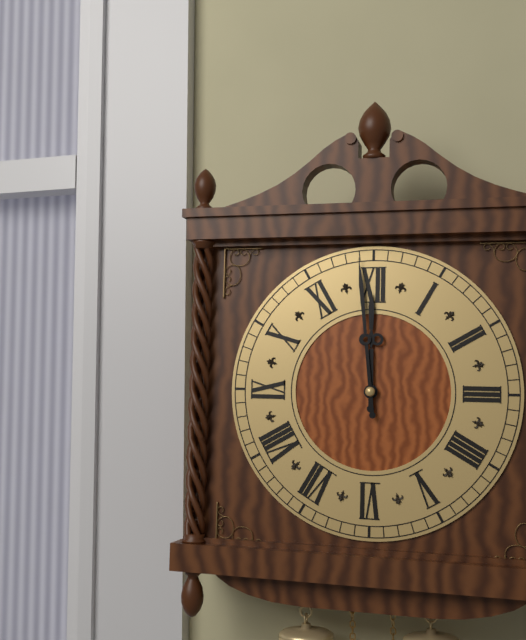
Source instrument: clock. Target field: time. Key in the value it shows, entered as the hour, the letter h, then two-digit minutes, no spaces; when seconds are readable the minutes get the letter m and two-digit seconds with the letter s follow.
11h59
